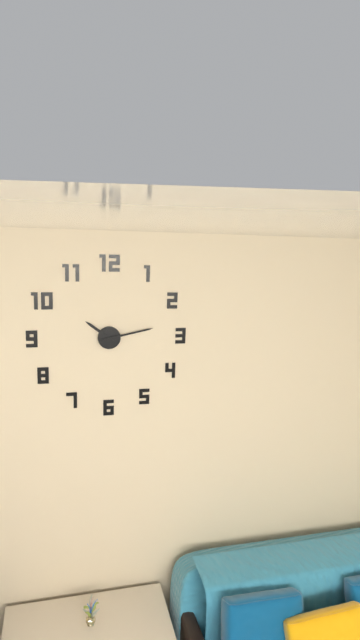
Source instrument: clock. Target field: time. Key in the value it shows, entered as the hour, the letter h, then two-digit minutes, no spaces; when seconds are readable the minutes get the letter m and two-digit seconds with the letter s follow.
10h13
